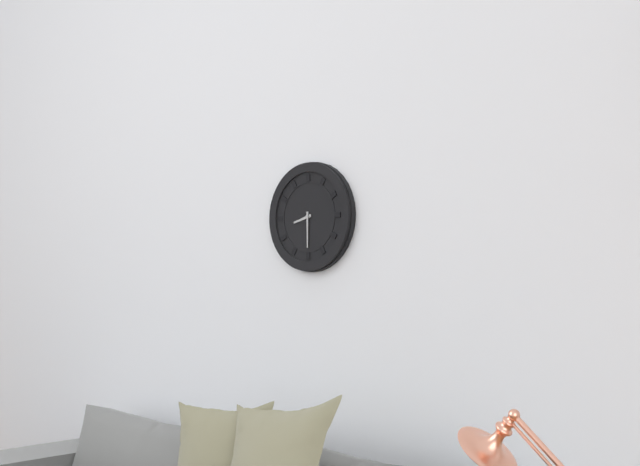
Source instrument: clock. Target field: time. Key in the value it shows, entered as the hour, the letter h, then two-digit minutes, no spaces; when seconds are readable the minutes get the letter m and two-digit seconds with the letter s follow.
8h30
